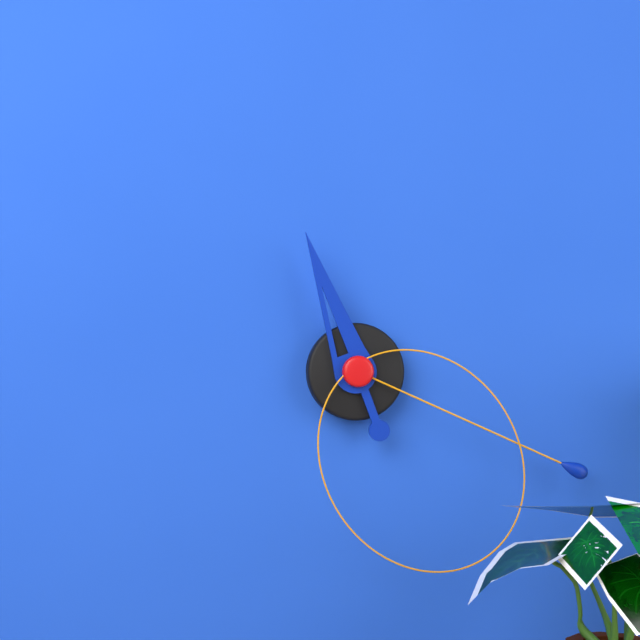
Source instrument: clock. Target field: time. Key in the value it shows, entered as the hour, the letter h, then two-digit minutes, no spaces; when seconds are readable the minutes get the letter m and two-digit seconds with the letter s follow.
11h19m24s
